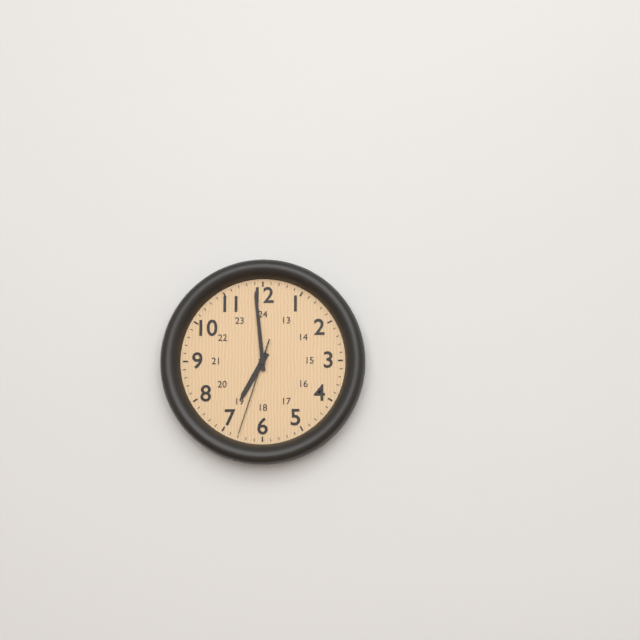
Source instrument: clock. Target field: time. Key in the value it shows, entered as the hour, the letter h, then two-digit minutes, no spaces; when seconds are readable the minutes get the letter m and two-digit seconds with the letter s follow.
6h59m33s
